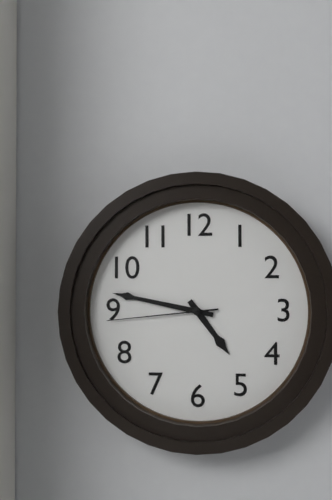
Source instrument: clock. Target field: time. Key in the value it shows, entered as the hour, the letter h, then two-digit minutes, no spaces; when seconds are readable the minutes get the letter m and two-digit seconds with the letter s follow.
4h47m44s
